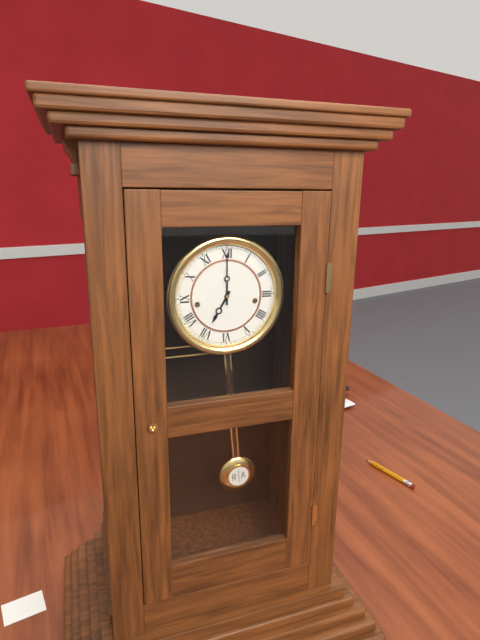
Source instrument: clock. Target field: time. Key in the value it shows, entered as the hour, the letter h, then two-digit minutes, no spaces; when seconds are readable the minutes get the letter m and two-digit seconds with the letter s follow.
7h00
